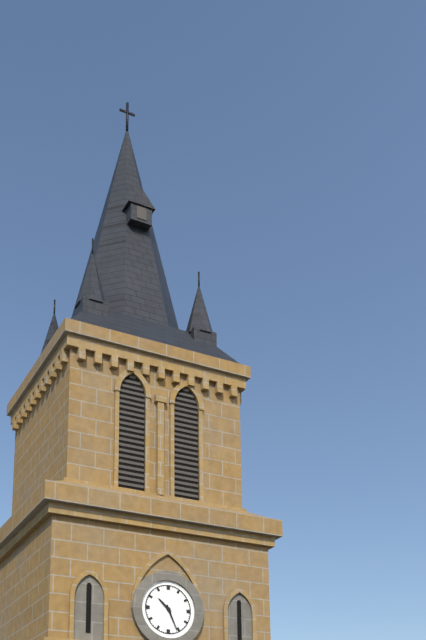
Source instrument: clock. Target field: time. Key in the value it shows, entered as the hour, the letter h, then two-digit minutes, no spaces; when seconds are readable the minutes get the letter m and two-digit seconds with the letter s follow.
10h26
